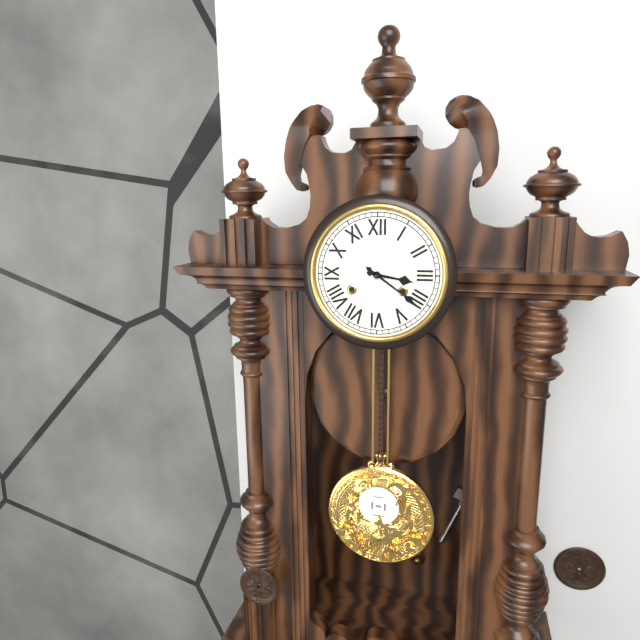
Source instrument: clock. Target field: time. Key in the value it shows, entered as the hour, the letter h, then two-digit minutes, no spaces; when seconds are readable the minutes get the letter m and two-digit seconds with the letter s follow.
3h21
